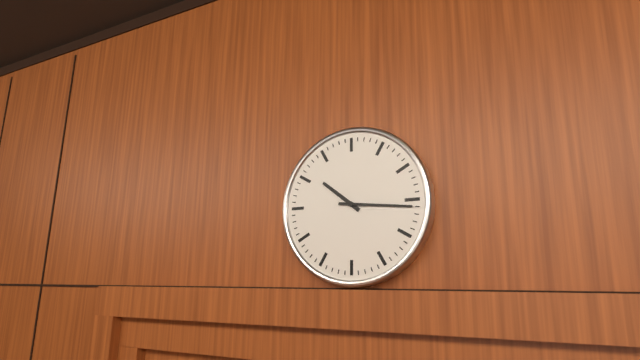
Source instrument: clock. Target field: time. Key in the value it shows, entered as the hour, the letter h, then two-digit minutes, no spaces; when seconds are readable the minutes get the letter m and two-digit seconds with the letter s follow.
10h16
